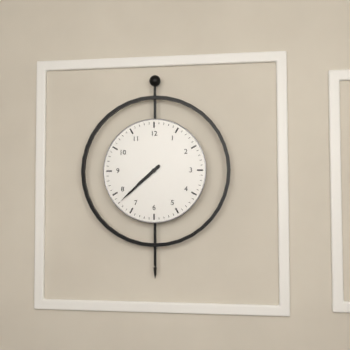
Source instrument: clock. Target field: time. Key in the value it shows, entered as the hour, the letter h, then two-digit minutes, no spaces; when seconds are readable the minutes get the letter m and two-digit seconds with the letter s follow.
7h38
